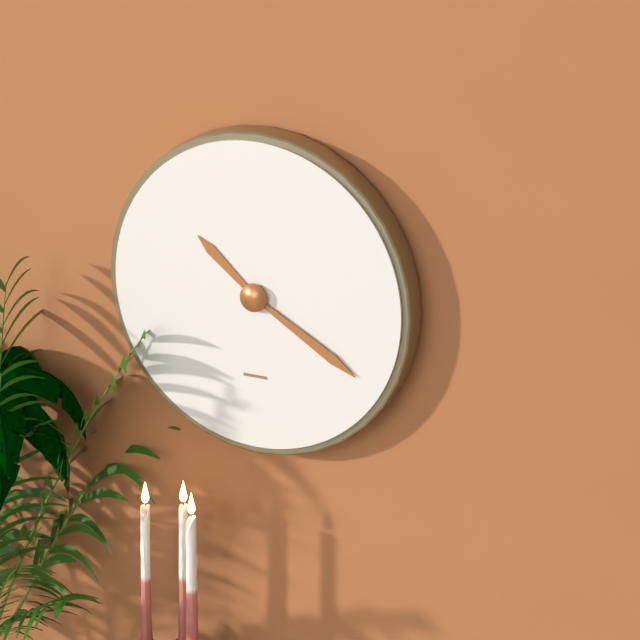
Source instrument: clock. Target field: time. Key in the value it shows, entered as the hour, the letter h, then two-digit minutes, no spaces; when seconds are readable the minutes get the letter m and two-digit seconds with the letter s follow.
10h20
